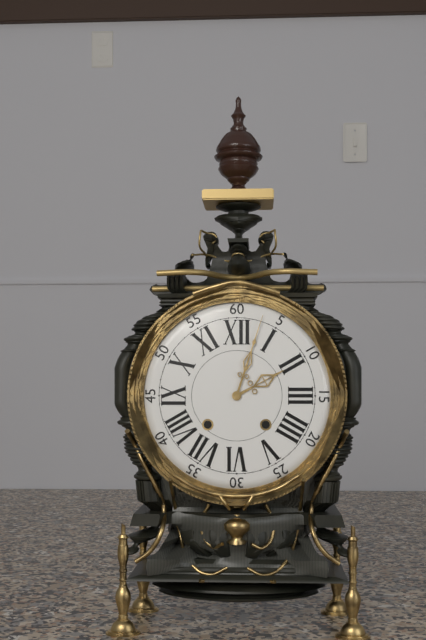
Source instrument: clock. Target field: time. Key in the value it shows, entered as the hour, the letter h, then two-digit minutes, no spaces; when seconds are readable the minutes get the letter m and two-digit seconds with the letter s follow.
2h03
